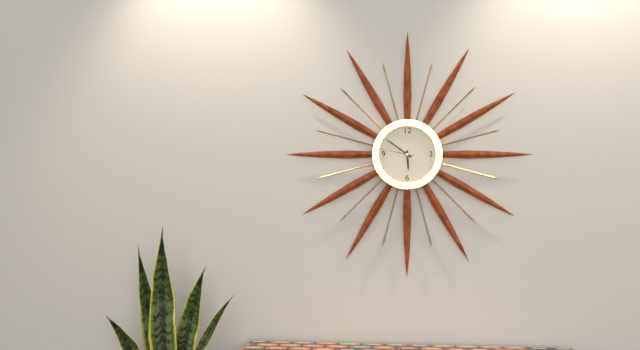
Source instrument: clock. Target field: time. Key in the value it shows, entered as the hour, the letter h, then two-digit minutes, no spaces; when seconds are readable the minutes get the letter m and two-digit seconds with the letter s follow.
5h51
